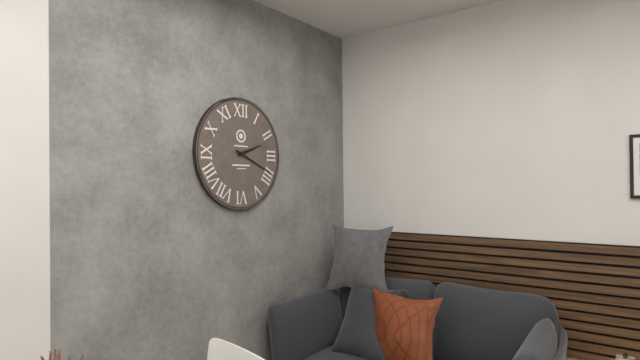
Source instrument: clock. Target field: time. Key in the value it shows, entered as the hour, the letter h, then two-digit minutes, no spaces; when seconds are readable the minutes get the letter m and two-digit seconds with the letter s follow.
2h19
